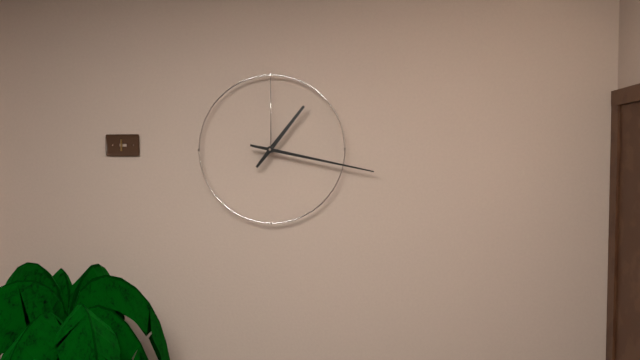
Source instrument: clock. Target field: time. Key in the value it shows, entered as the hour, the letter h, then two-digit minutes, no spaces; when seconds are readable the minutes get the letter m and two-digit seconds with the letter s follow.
1h17
